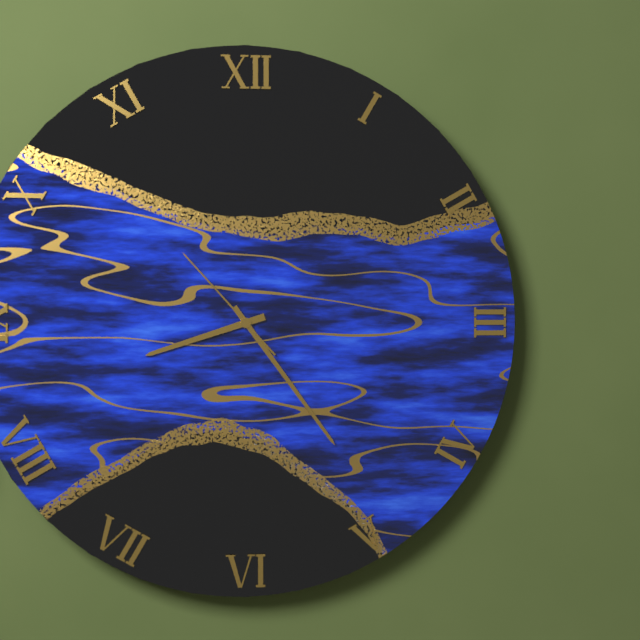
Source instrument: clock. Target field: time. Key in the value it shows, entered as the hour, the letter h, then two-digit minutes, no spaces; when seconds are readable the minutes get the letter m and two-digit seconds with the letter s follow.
8h24m53s
